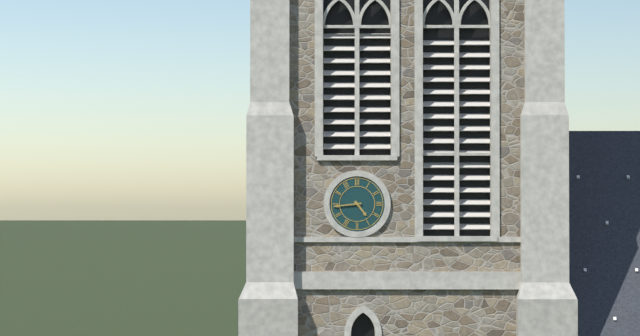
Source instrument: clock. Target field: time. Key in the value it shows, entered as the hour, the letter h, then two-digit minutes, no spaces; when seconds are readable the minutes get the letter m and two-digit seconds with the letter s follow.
4h44
